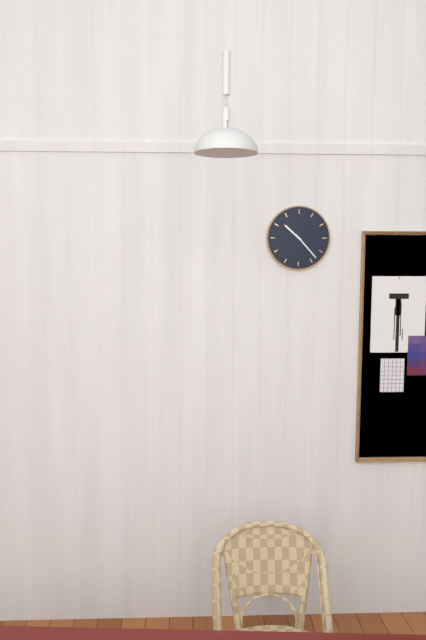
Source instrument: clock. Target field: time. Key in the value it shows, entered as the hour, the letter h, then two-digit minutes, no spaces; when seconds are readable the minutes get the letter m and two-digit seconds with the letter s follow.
10h23
